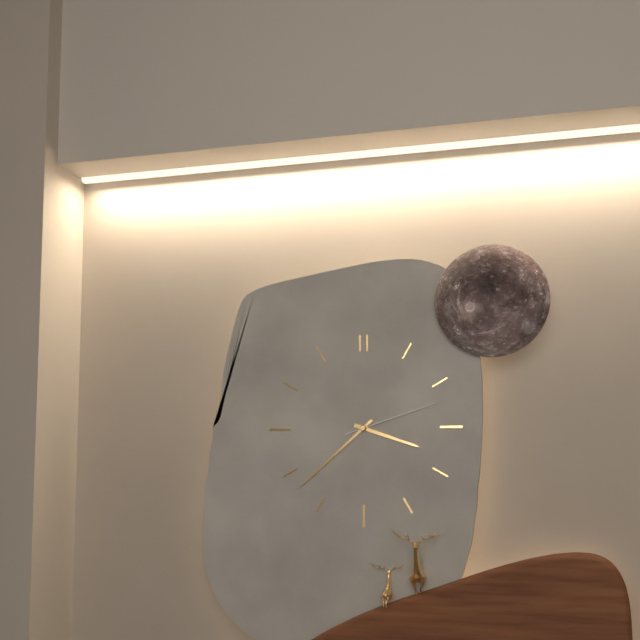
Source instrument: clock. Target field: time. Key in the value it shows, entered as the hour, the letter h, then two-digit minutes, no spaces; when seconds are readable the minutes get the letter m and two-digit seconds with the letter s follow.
3h38m12s
